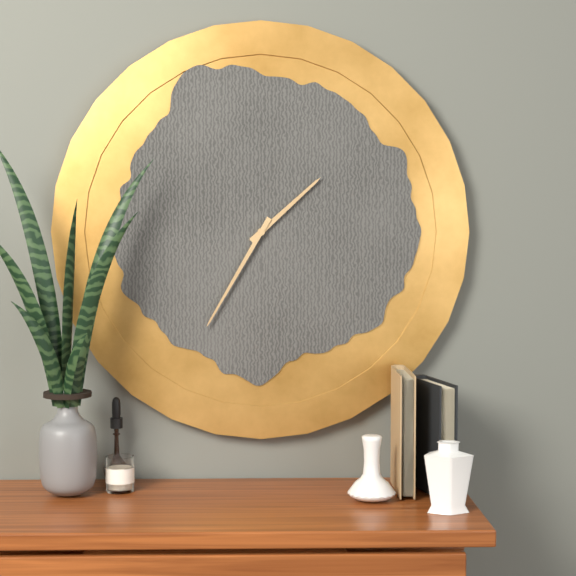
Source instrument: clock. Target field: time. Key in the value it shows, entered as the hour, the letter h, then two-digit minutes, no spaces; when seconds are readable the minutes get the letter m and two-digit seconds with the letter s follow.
1h35
